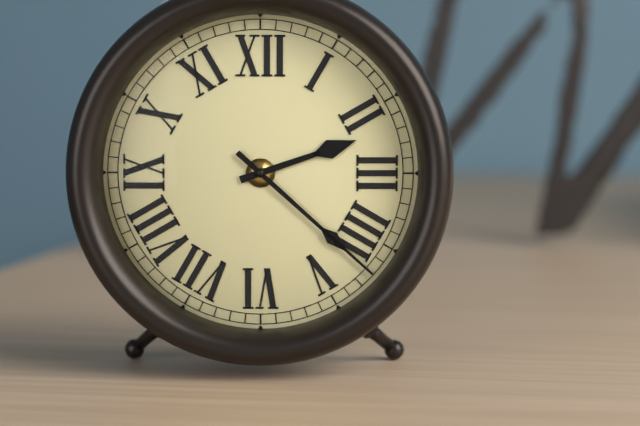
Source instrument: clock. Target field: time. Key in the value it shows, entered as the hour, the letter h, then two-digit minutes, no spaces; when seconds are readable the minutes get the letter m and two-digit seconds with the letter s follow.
2h22
